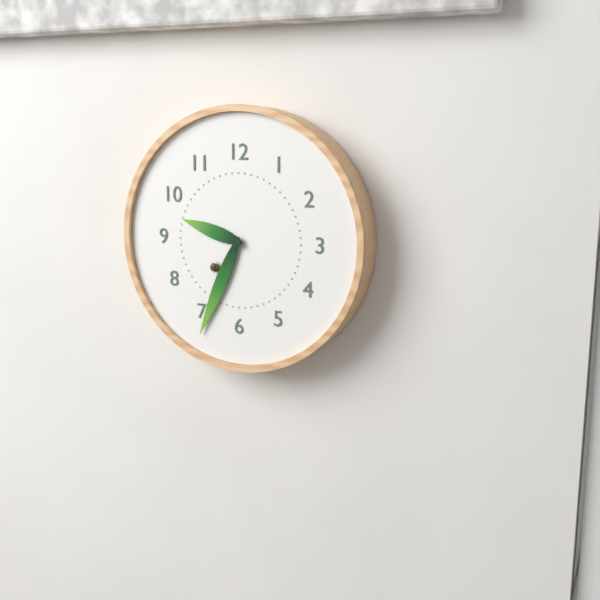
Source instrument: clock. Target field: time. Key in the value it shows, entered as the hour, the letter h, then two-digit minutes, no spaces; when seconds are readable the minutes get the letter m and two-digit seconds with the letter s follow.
9h34
